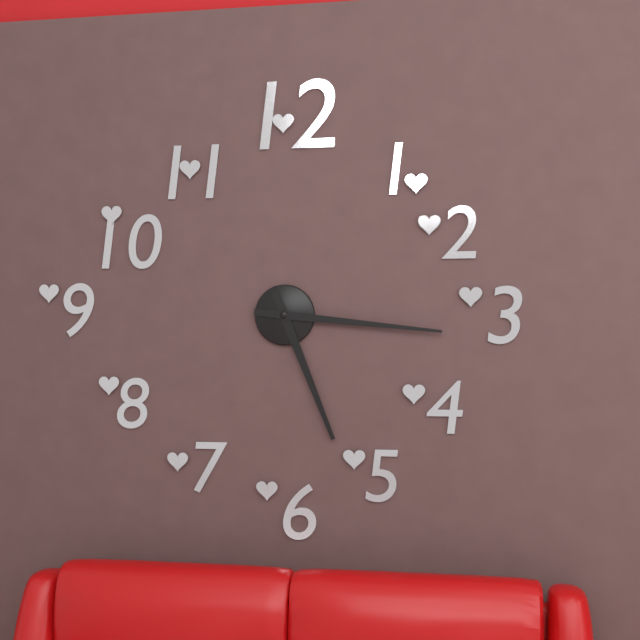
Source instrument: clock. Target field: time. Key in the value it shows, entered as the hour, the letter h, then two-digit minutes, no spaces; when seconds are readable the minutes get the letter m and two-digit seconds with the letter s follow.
5h16
